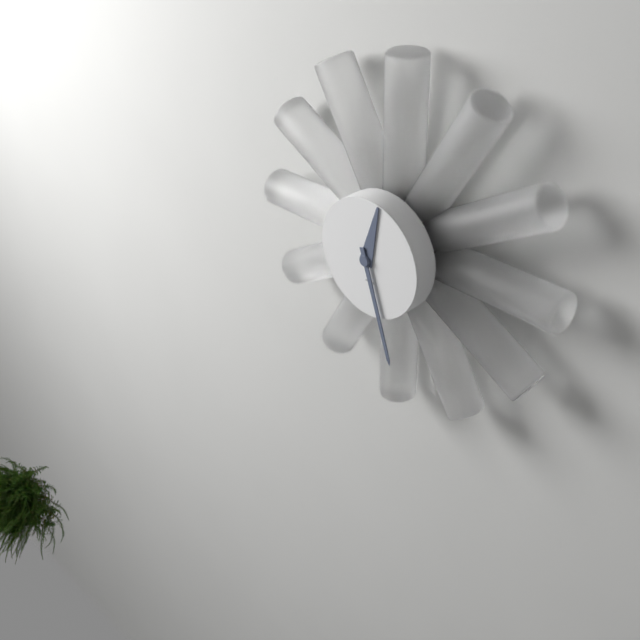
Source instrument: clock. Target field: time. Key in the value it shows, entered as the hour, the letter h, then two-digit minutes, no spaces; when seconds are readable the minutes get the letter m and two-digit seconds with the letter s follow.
12h27
